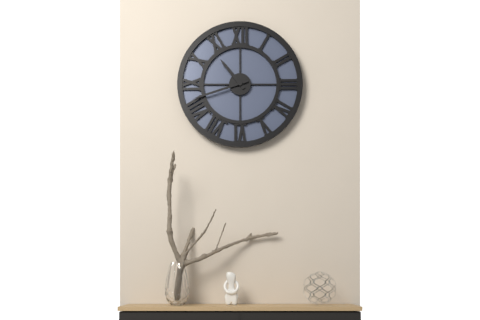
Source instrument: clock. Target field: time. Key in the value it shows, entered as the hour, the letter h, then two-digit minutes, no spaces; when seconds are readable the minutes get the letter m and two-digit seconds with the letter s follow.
10h42
